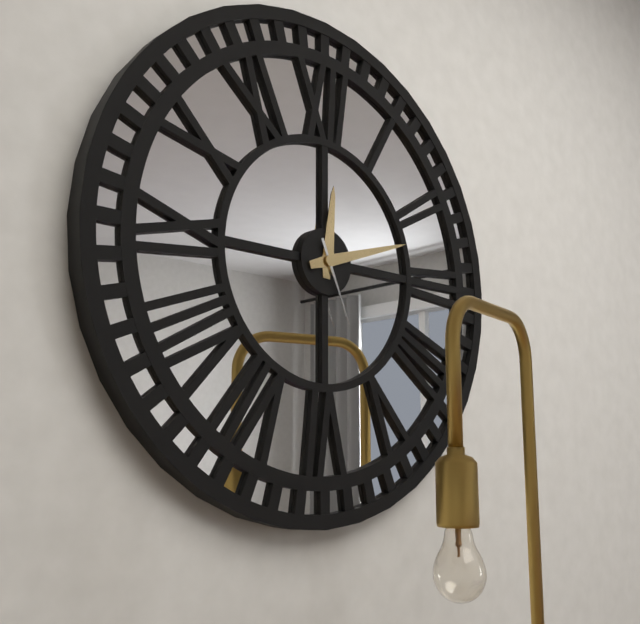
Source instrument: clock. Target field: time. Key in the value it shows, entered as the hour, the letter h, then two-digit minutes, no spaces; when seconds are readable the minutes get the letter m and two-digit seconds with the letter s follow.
12h12m26s
